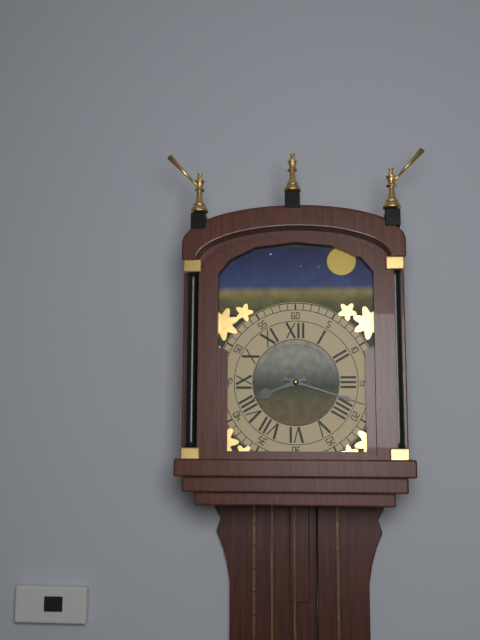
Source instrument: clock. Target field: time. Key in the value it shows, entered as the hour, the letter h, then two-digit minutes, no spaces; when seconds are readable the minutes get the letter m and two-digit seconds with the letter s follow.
8h18
